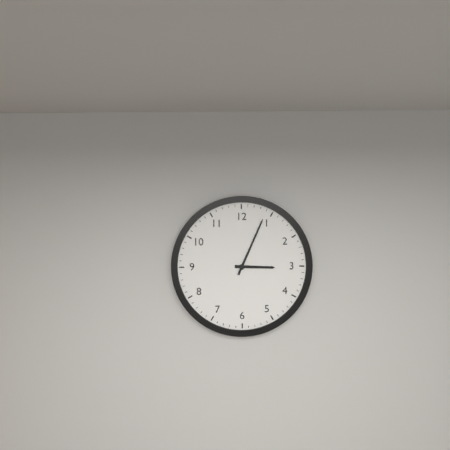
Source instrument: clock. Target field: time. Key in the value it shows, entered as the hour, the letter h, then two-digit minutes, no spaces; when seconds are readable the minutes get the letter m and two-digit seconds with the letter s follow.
3h04
